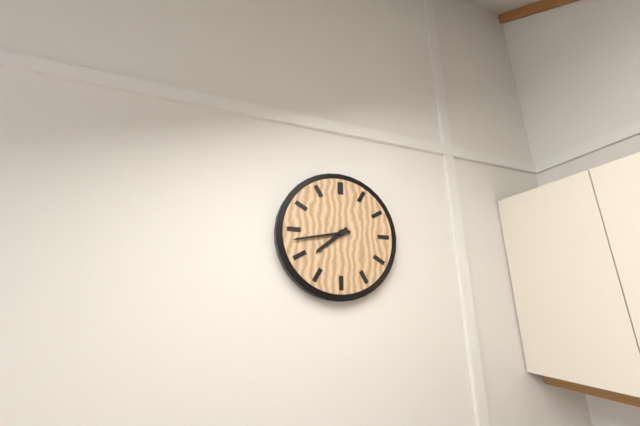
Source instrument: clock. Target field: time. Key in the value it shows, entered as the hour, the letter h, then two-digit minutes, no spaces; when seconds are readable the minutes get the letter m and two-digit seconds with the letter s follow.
7h43
